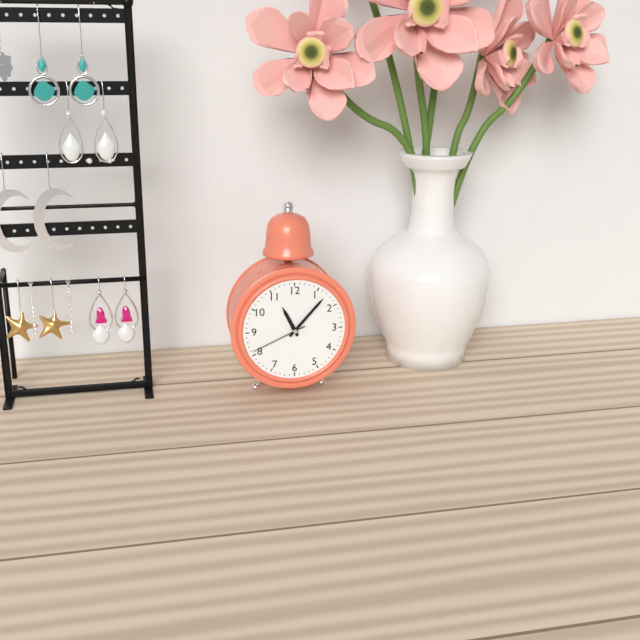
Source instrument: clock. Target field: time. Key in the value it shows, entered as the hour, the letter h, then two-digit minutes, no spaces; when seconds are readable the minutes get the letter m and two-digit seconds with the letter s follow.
11h07m41s
